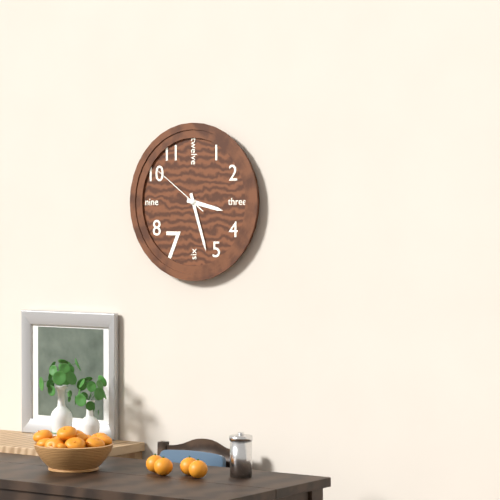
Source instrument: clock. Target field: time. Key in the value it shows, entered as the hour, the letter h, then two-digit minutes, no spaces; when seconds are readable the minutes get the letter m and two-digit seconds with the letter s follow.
3h27m51s
